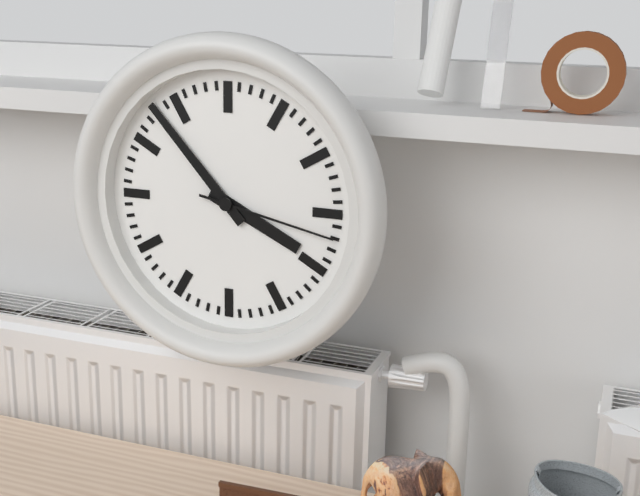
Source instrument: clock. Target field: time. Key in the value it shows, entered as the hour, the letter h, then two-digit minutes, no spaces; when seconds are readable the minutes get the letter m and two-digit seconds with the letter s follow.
3h53m17s
